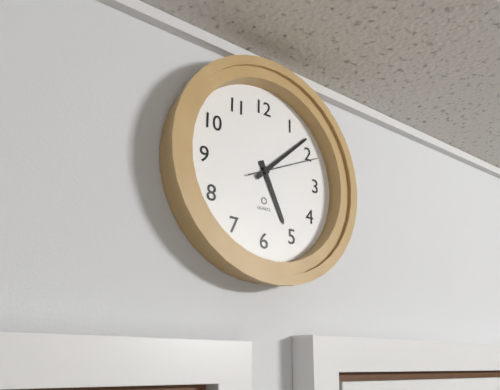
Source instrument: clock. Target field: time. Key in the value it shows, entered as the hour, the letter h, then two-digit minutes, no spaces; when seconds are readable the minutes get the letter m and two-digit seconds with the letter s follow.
5h08m11s
